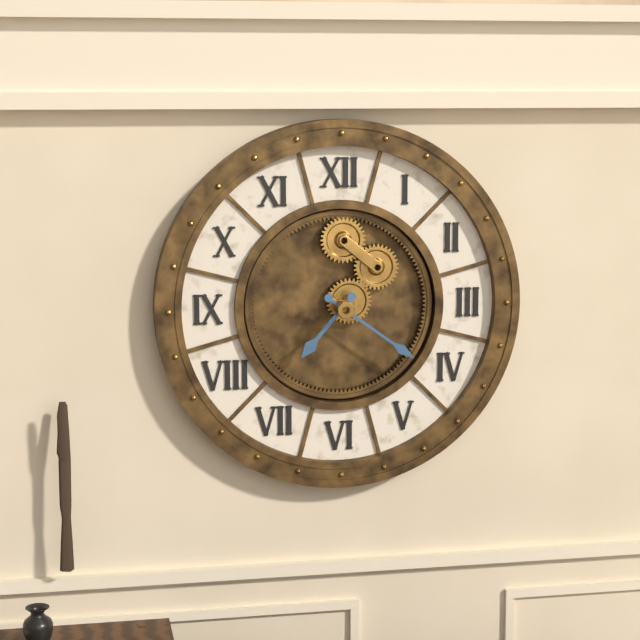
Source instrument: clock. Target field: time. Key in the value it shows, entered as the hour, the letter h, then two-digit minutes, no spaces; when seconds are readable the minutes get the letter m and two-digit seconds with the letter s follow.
7h21
